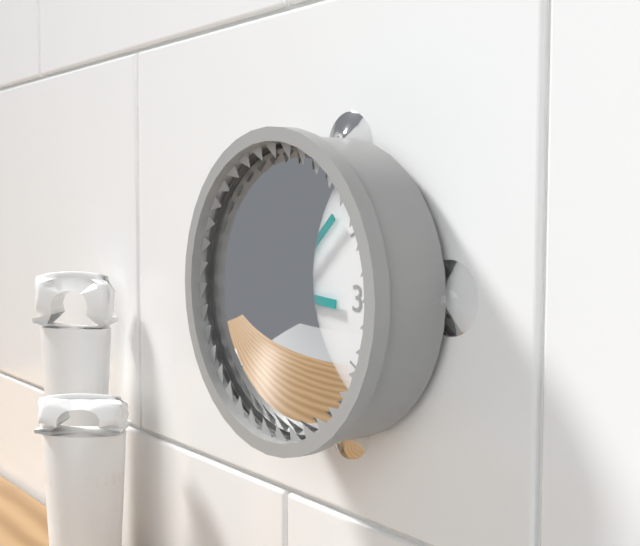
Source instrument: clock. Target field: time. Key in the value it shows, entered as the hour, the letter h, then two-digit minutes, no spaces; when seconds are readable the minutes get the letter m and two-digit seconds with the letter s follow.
3h08
